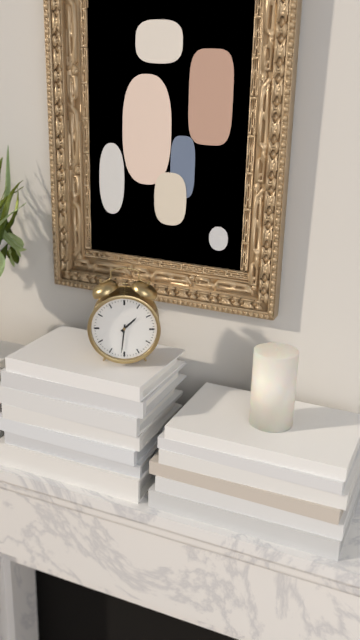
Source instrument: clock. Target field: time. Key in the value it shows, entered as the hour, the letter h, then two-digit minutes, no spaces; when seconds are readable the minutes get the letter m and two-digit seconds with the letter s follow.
1h31
